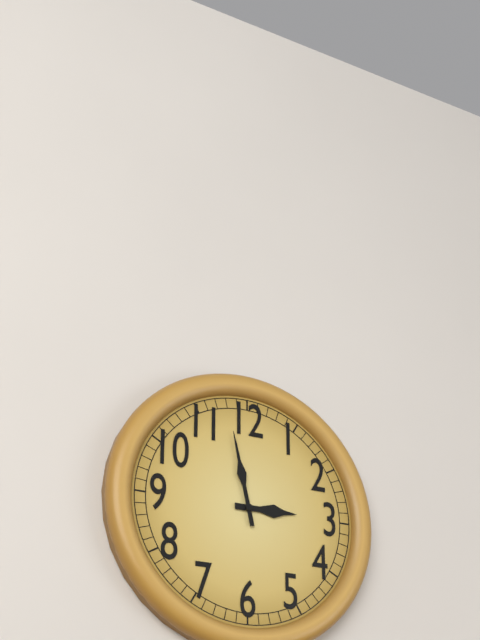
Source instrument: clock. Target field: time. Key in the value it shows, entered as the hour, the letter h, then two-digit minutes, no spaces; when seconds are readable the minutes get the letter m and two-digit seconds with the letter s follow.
2h58
